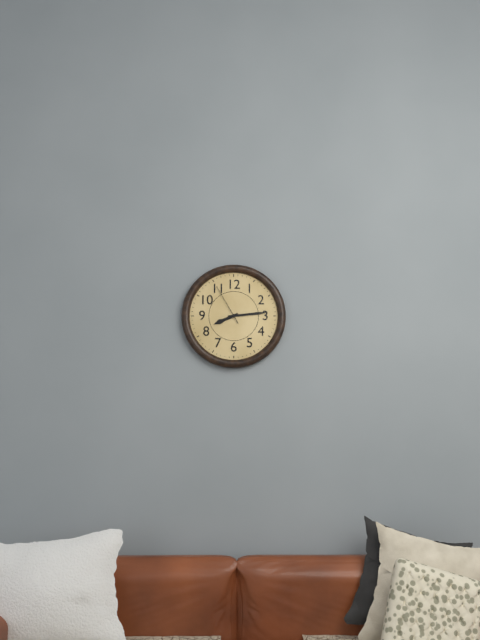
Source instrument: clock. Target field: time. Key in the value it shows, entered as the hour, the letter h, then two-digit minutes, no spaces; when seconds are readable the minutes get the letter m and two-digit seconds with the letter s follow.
8h14
